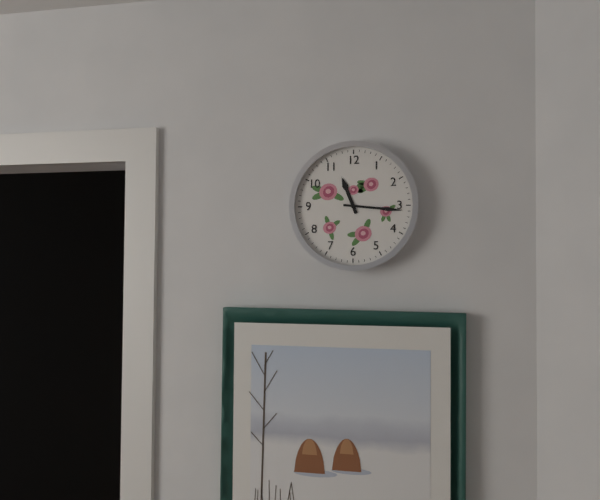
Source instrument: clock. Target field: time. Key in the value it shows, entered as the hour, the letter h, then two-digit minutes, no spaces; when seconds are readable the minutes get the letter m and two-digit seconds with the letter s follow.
11h16
